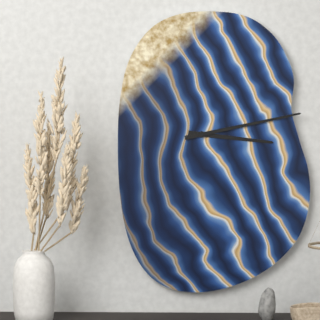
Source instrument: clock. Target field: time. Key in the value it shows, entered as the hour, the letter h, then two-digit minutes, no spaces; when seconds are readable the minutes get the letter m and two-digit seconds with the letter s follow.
3h13
